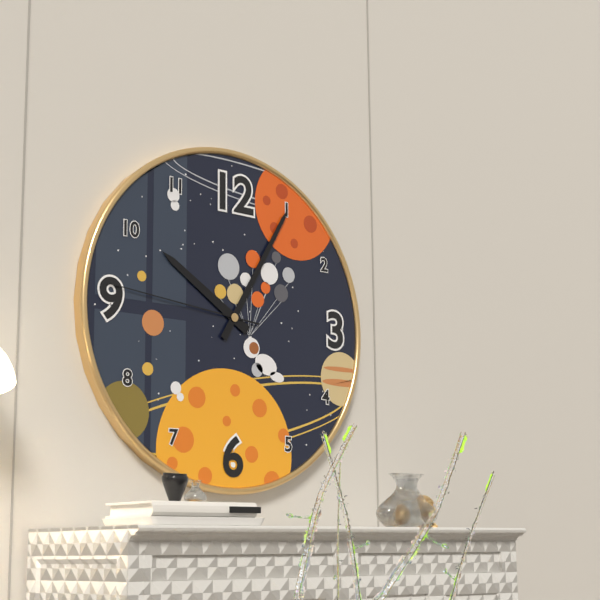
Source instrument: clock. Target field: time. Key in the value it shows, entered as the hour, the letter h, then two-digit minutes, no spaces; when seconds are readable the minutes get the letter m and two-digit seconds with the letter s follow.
10h05m46s
